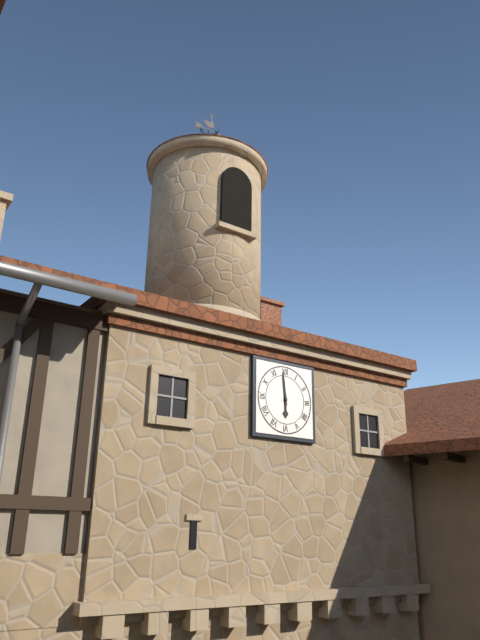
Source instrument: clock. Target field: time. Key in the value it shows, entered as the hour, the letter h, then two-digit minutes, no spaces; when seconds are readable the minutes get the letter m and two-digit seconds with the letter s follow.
5h59
